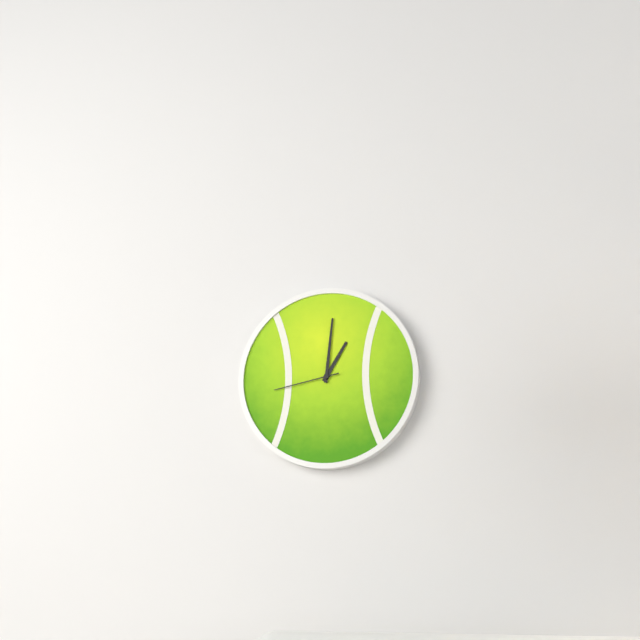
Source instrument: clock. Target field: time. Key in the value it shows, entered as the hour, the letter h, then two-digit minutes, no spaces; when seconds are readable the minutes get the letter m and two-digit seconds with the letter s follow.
1h01m43s
